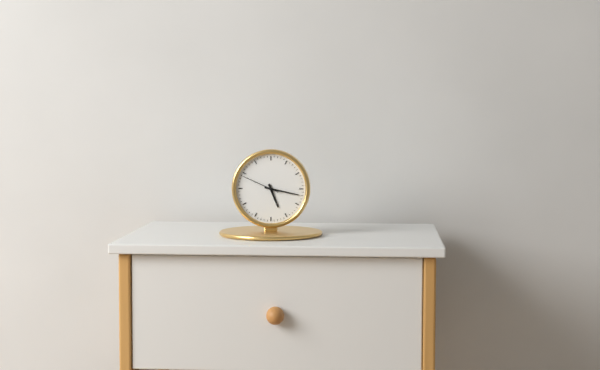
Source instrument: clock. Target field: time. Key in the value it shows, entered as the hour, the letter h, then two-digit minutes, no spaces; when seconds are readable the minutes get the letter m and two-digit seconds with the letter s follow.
5h17
